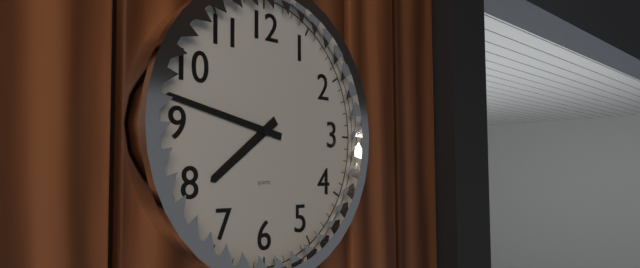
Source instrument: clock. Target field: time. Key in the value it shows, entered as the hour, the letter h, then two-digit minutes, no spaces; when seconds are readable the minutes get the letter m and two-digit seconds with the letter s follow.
7h47
